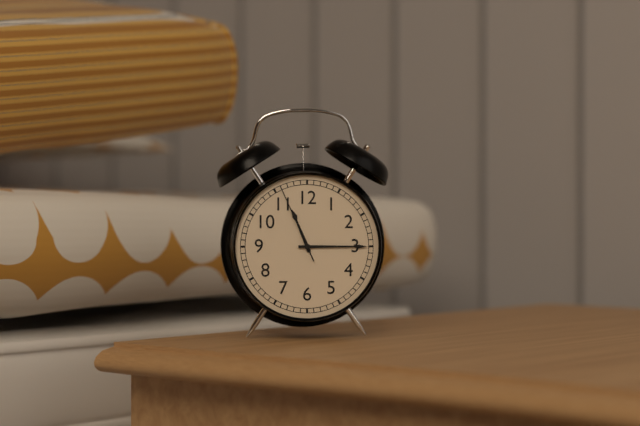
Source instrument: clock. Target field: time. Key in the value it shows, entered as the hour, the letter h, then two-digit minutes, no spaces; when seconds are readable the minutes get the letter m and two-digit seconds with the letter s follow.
11h15m56s
